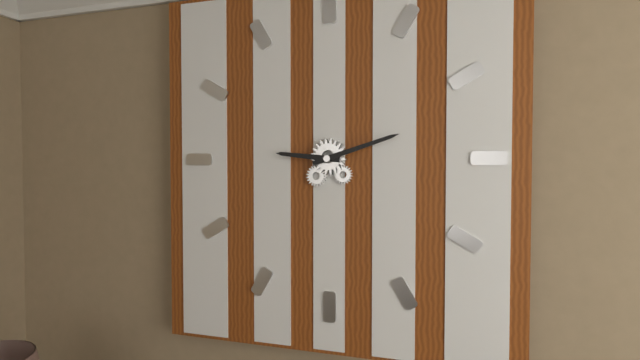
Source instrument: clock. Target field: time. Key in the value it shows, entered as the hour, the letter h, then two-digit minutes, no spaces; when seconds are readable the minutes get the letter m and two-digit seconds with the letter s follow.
9h12
